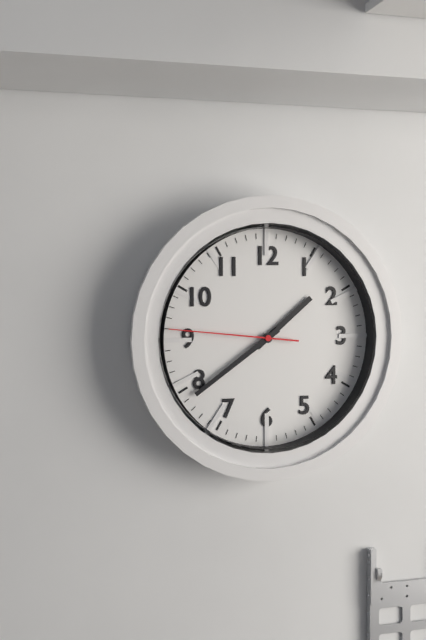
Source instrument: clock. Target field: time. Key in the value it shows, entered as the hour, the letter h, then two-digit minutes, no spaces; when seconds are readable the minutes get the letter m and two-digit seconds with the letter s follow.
1h39m46s
